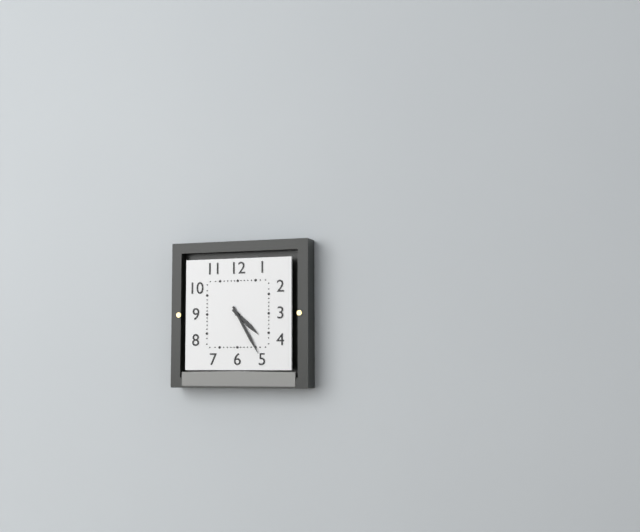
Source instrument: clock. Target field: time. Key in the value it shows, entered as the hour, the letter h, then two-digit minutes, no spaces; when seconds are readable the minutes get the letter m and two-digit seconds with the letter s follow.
4h25
